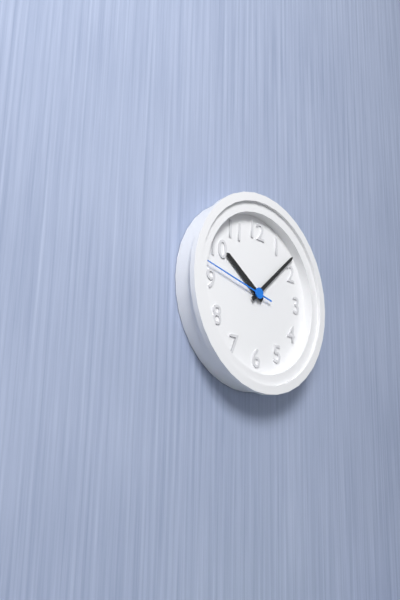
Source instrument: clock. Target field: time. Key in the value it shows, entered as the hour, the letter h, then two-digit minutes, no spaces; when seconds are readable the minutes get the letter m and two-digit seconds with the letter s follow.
10h08m47s
